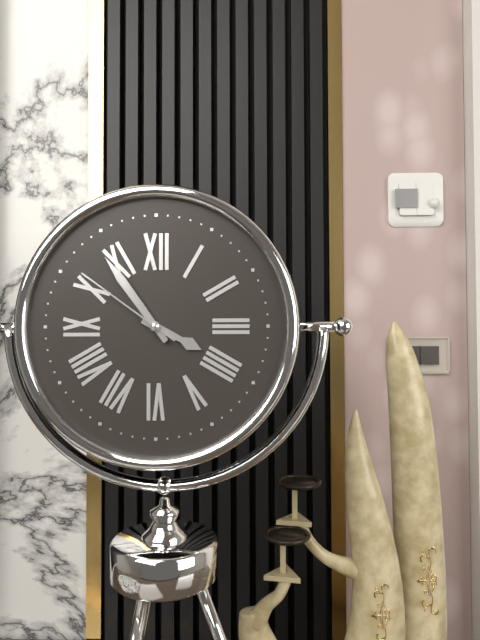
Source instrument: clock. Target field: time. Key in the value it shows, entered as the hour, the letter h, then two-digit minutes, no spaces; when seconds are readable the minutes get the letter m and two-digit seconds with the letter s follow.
3h54m51s
